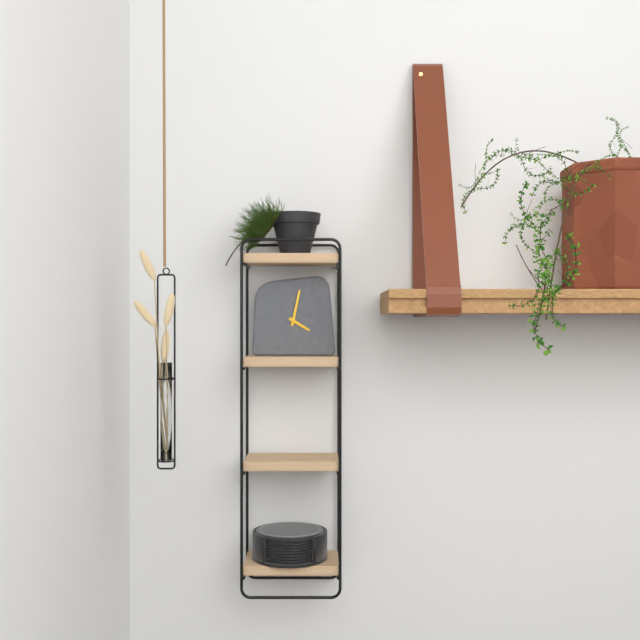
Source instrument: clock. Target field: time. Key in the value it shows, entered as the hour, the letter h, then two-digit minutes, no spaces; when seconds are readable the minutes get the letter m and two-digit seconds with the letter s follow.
4h02
